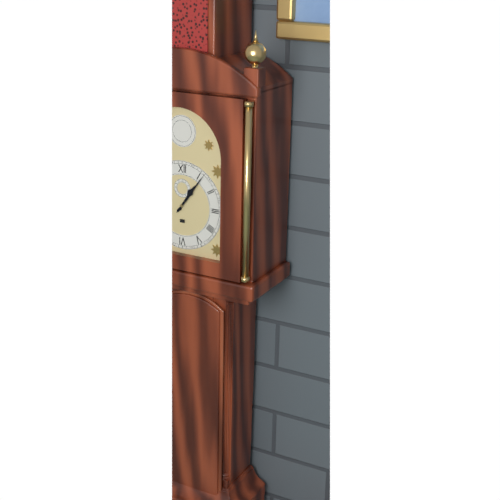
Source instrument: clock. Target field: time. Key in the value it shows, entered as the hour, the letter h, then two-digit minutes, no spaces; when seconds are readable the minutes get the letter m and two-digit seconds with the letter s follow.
1h06
